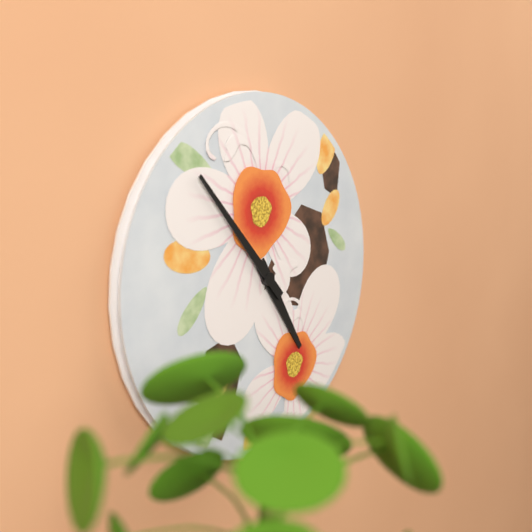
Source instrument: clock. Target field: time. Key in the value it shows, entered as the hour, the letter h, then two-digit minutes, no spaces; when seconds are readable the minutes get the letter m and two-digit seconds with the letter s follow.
4h53
